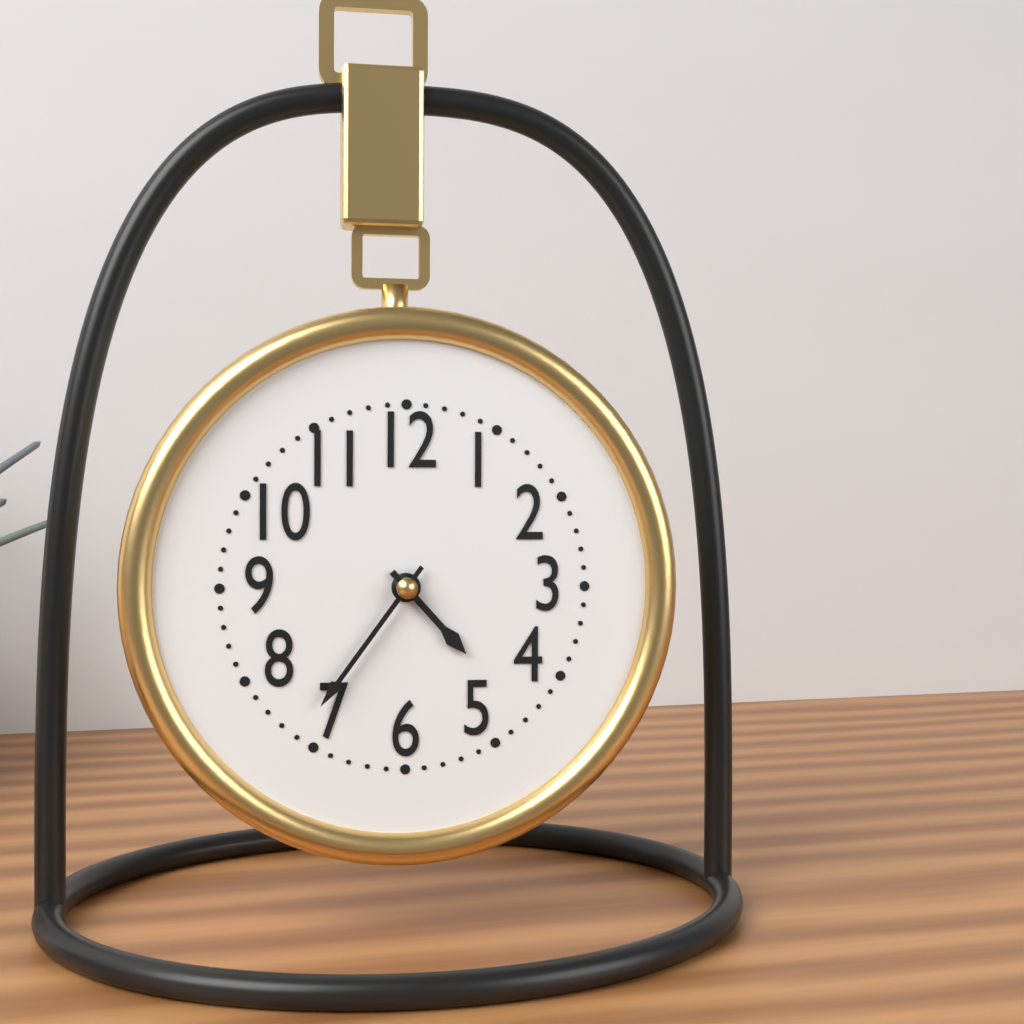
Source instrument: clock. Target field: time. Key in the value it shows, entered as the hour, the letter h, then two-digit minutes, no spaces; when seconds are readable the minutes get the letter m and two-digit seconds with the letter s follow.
4h36
